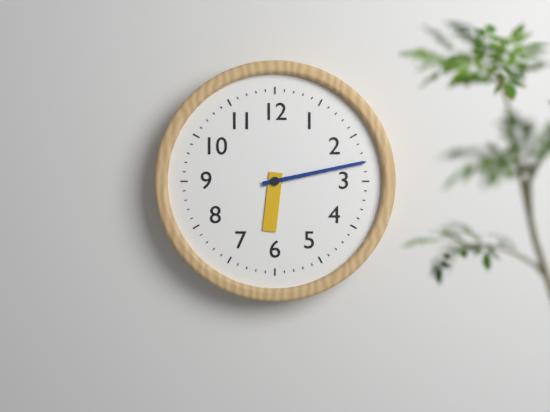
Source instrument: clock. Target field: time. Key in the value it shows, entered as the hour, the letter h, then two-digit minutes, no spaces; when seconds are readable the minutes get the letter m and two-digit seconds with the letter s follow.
6h13
